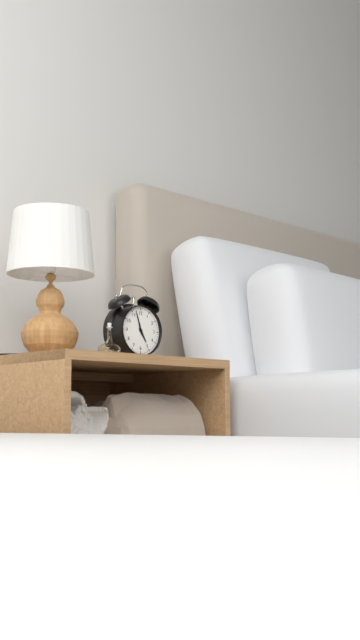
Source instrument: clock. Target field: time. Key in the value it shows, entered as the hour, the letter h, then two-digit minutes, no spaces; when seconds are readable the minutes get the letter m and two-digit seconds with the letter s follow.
4h57
